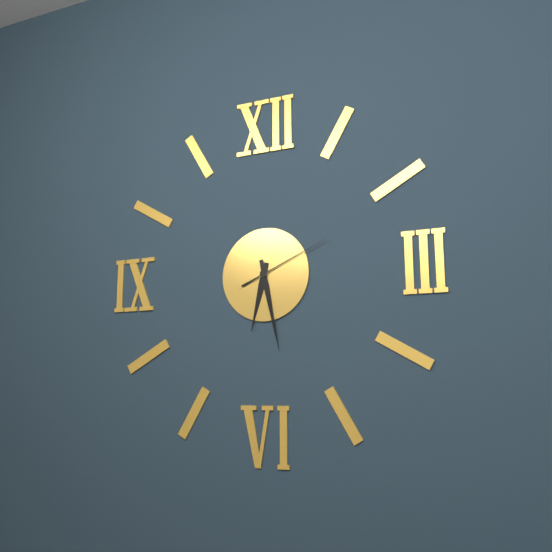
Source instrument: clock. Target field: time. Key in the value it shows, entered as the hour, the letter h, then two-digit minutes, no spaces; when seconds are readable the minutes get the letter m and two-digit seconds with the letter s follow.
6h28m11s
